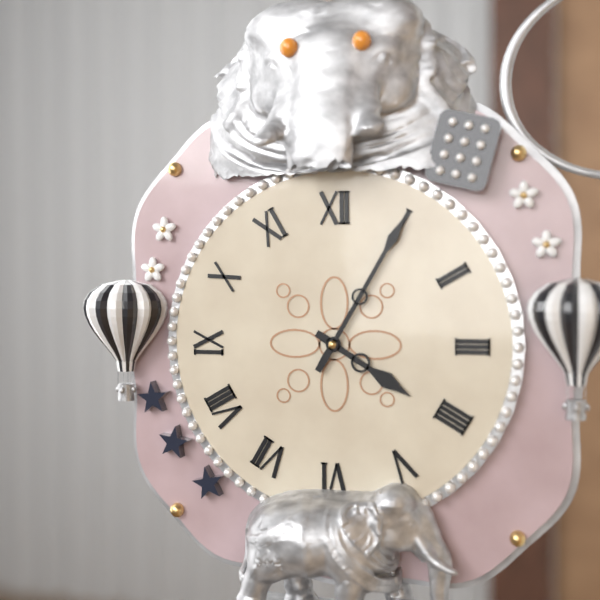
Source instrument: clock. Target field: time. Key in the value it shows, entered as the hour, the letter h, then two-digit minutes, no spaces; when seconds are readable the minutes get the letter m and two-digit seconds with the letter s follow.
4h05
